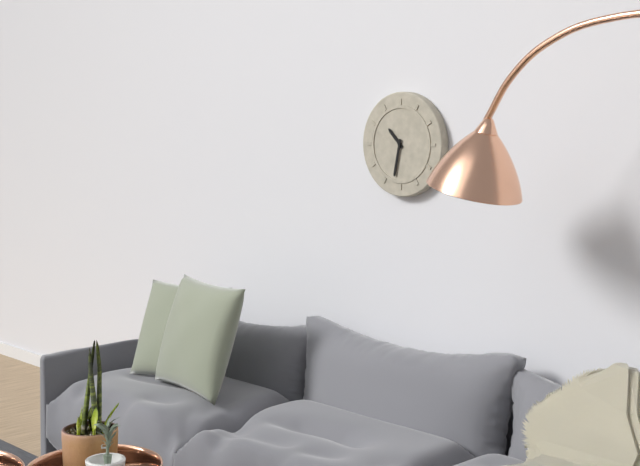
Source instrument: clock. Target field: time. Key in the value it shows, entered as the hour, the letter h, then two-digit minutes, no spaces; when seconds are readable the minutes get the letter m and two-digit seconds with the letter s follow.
10h32
